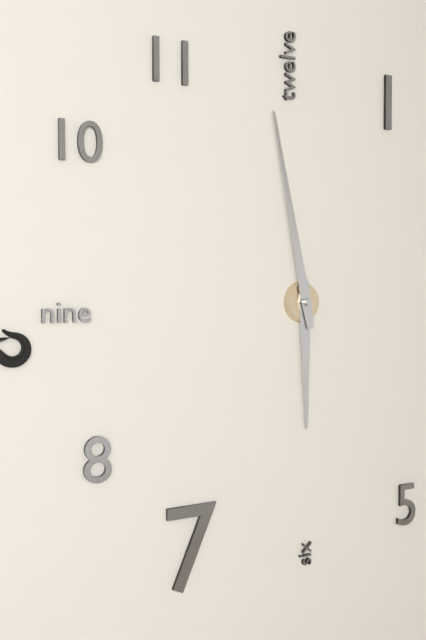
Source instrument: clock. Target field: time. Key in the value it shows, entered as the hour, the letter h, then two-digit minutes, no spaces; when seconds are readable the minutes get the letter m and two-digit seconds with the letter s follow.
5h58
